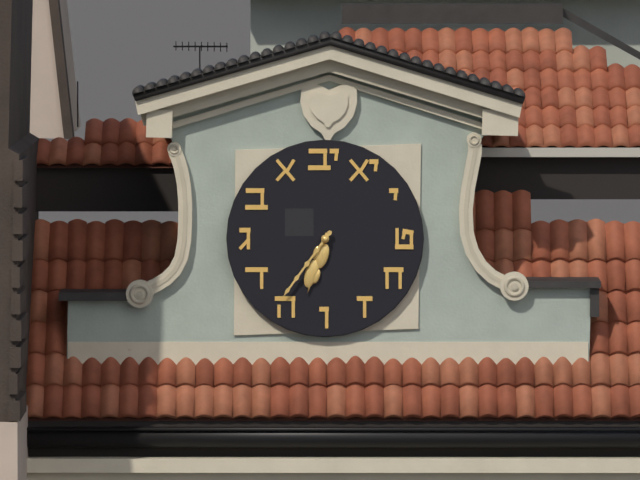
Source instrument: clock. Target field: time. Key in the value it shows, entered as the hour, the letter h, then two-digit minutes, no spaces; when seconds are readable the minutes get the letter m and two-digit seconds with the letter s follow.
6h36
